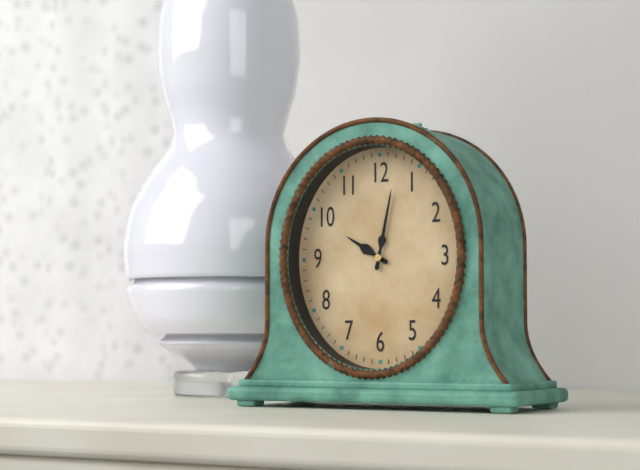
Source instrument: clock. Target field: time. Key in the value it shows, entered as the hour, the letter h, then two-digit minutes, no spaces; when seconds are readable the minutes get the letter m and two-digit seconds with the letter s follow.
10h02
